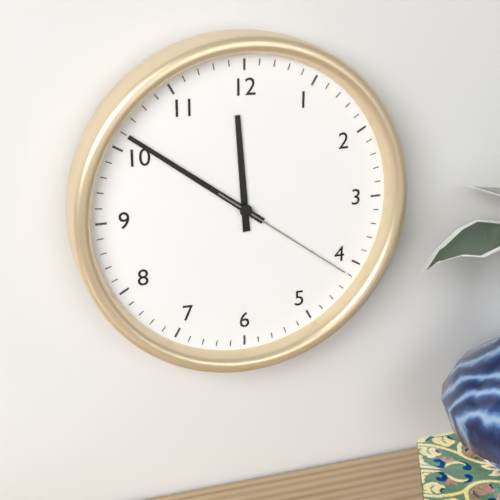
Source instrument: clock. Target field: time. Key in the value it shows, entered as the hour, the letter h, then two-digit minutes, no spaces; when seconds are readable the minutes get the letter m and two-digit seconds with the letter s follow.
11h51m21s
